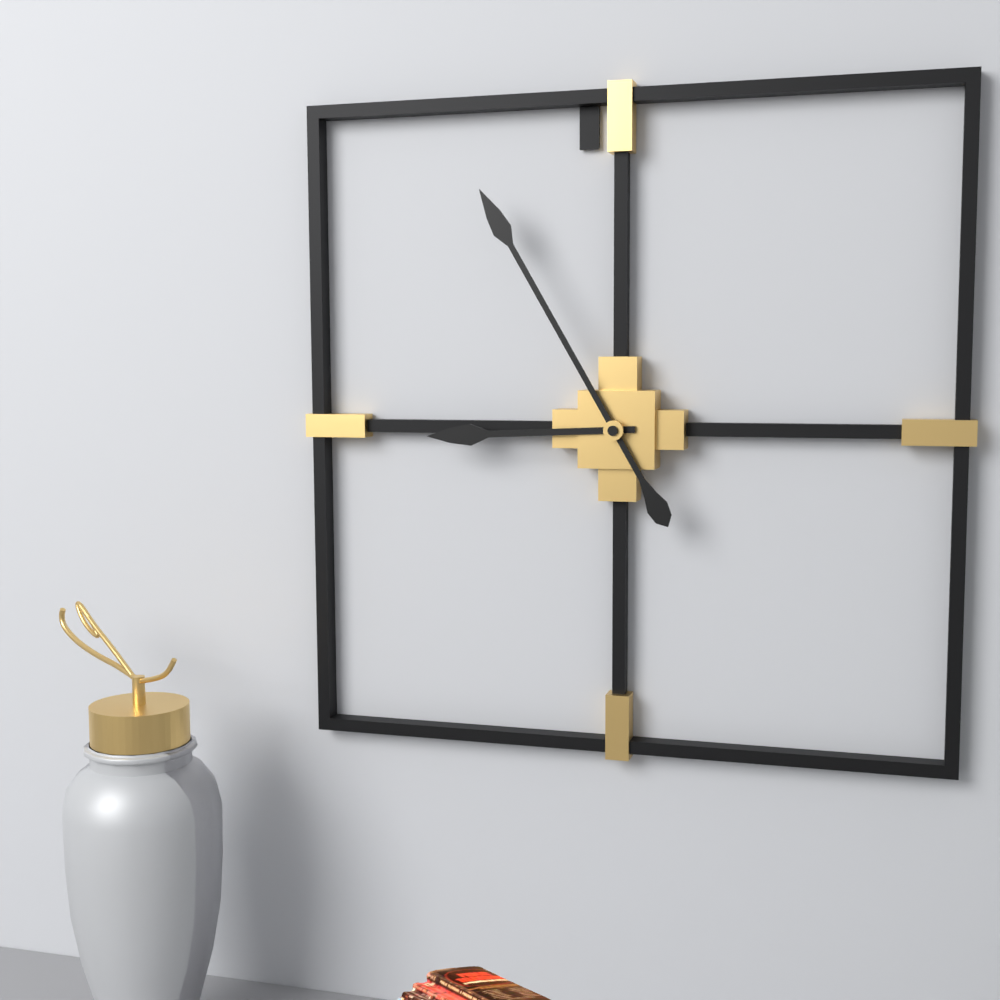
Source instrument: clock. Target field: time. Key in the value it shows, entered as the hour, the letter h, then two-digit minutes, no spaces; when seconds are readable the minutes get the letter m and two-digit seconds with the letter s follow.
8h55
